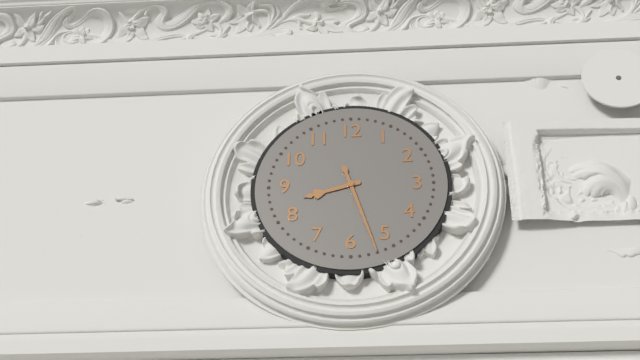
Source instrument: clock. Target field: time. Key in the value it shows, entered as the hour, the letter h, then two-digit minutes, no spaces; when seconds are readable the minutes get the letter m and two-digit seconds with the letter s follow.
8h27
